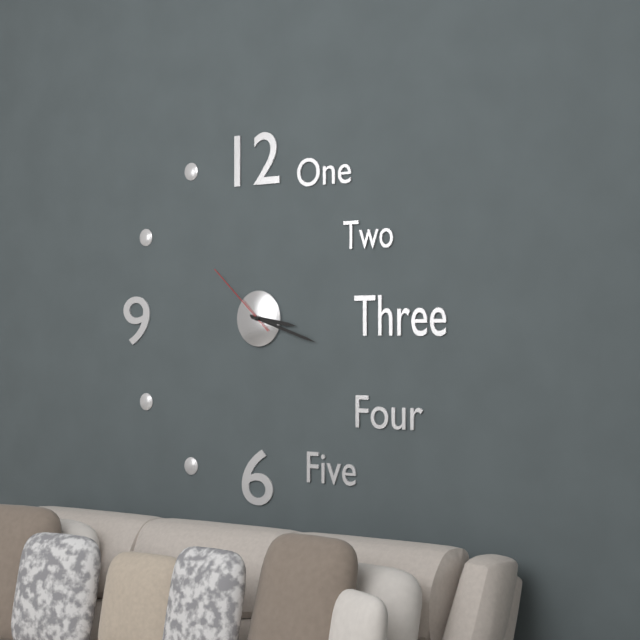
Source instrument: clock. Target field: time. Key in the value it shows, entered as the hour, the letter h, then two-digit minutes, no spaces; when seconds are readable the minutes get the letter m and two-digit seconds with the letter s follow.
3h18m52s
